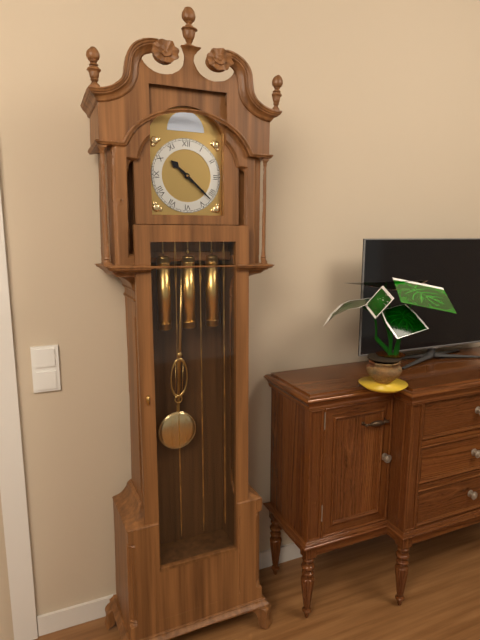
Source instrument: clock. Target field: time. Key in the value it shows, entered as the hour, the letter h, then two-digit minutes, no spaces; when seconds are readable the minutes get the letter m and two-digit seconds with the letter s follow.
10h22
